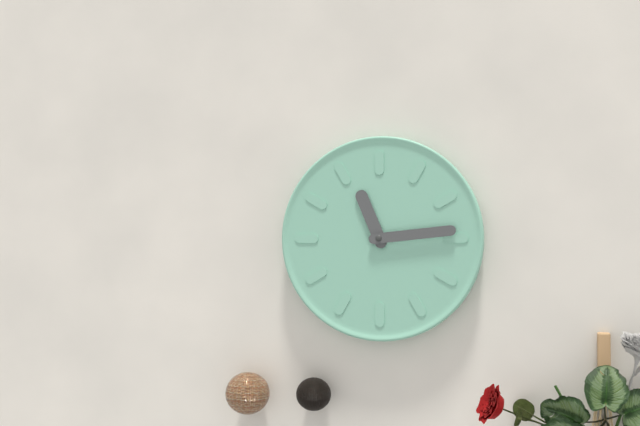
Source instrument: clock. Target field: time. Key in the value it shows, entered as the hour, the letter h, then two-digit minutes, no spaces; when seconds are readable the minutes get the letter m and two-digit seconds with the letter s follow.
11h14
